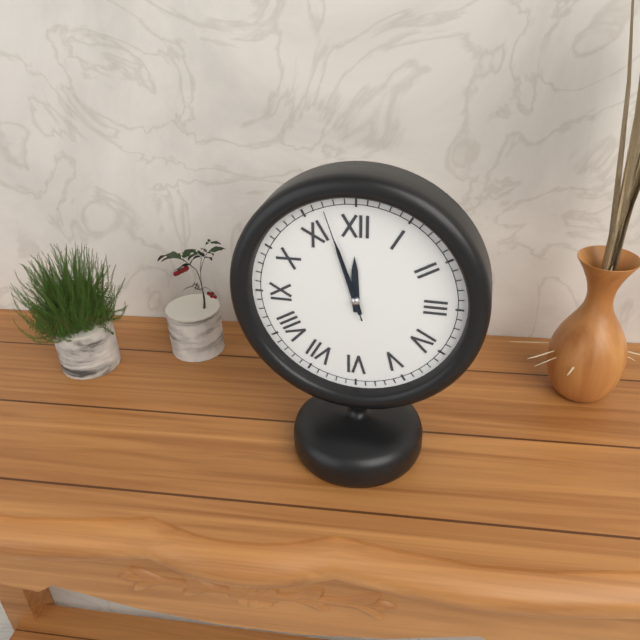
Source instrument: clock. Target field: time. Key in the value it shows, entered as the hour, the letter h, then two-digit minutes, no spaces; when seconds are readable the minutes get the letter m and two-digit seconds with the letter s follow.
11h57m57s
